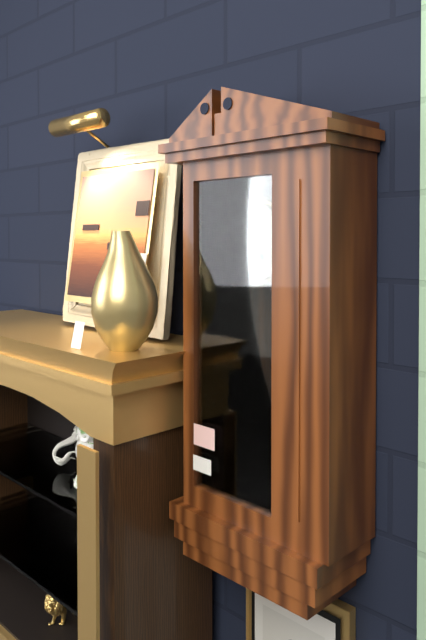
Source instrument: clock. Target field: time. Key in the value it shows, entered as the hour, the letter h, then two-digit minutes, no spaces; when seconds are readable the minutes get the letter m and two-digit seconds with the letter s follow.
4h55
